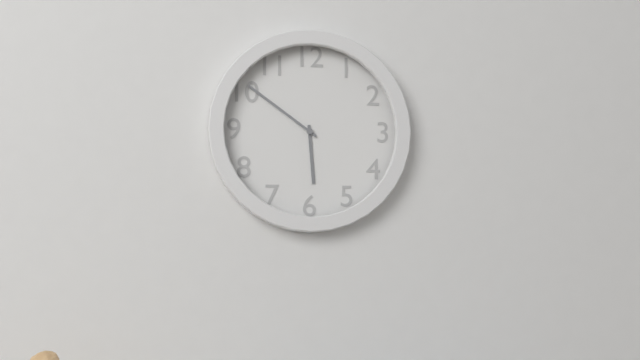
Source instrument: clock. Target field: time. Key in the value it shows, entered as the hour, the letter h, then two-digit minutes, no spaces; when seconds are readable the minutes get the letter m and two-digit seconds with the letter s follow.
5h51
